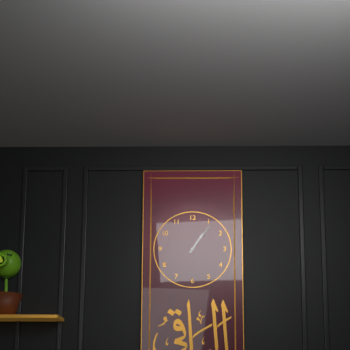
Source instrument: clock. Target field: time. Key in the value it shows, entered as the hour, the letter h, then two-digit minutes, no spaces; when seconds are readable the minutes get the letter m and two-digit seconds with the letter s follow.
1h06
